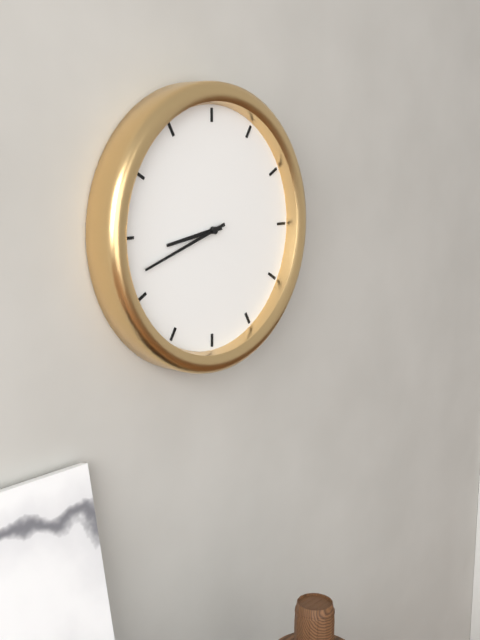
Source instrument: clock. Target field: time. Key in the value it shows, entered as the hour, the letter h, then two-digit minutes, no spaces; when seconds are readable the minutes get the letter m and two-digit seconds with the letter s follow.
8h42
